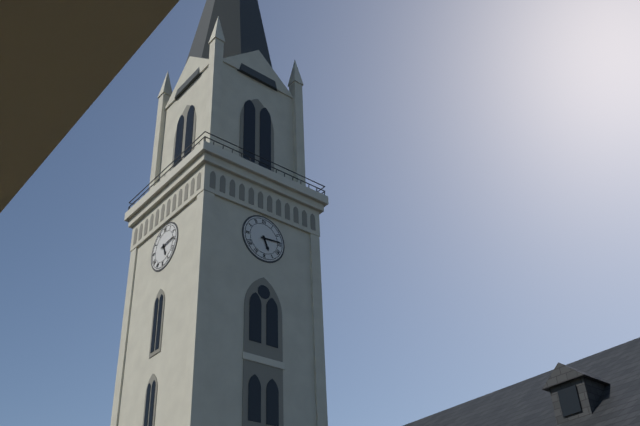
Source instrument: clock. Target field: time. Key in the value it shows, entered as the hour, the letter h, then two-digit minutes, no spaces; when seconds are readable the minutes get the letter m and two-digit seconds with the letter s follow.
5h14
